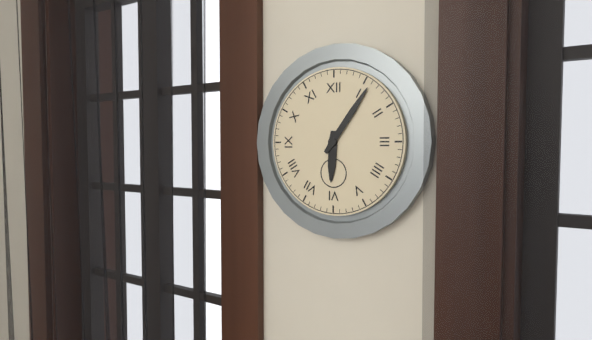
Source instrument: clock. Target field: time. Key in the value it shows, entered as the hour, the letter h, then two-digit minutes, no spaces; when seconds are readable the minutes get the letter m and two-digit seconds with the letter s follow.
6h06
